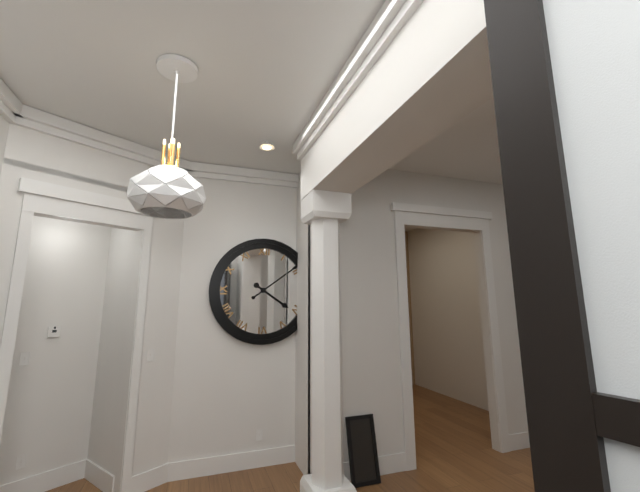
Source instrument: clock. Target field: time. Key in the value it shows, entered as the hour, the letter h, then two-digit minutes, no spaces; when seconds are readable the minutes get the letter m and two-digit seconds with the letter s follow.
4h09
